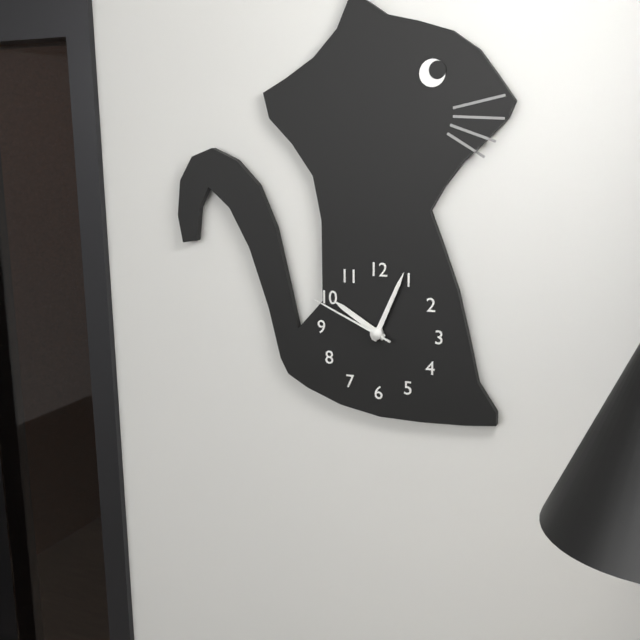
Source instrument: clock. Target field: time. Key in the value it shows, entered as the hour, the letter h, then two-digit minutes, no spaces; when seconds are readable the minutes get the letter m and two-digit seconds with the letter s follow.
10h04m49s
